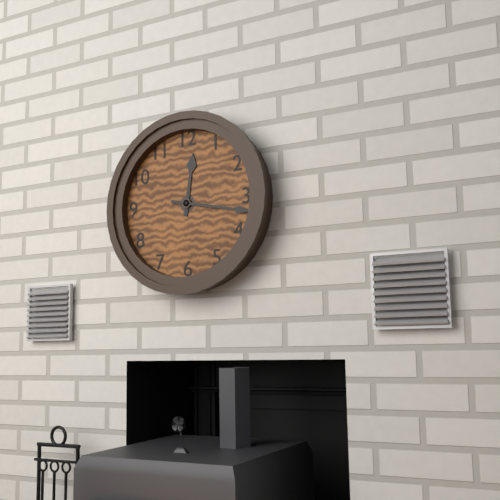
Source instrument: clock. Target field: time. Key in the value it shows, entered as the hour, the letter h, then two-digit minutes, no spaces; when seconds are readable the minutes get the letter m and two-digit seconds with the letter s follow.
12h17
